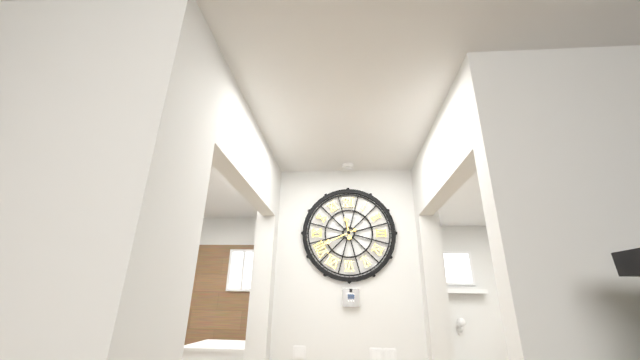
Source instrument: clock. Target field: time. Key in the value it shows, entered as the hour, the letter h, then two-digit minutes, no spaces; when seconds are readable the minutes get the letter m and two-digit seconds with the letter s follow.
11h41
